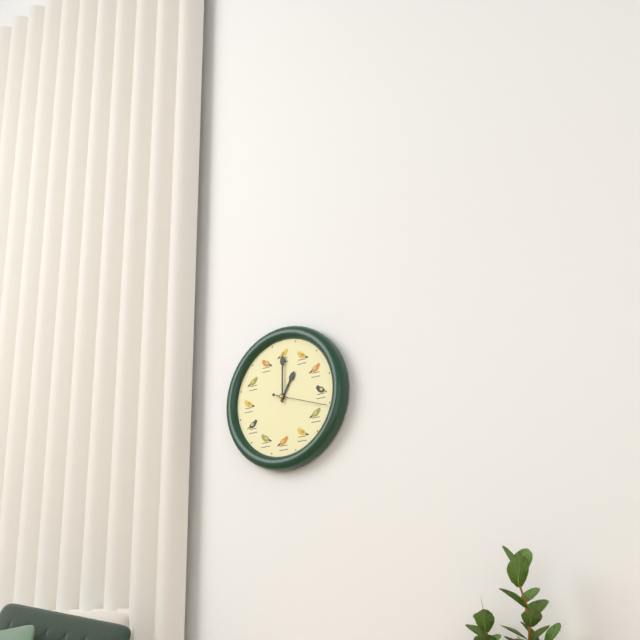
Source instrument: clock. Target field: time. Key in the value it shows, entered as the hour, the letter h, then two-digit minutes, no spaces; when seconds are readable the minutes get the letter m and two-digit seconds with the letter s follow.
1h00
